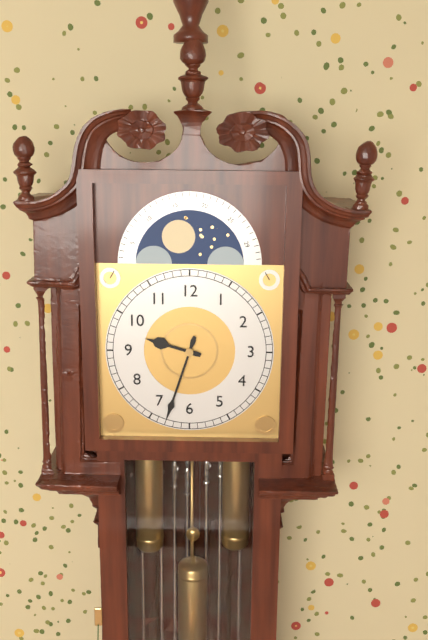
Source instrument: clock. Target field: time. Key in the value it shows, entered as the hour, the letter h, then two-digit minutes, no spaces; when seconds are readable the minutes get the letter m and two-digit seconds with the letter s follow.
9h33
